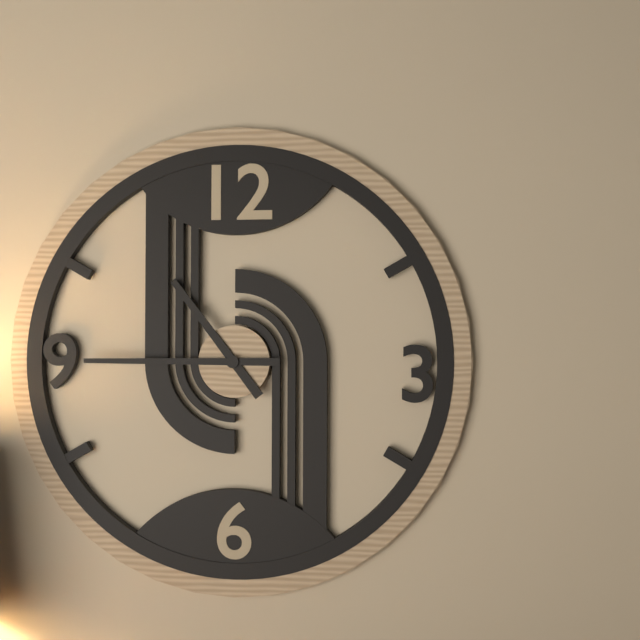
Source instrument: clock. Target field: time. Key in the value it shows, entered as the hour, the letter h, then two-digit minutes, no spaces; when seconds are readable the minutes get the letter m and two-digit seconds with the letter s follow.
10h45
